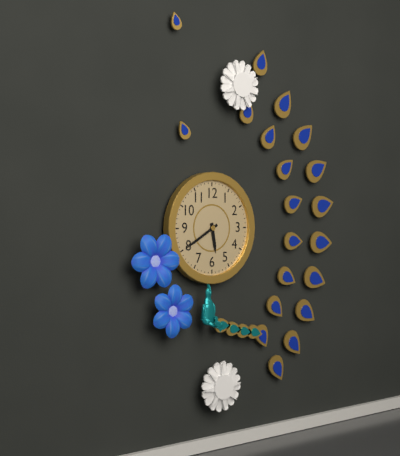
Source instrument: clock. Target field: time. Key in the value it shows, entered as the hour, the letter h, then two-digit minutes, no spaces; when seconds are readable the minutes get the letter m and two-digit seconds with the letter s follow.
5h40
